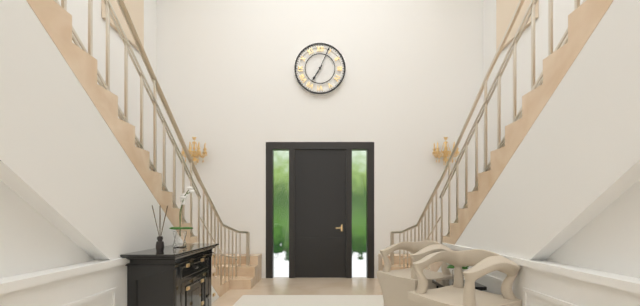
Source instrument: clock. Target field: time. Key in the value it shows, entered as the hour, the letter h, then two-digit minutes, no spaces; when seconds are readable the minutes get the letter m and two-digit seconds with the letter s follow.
7h04
